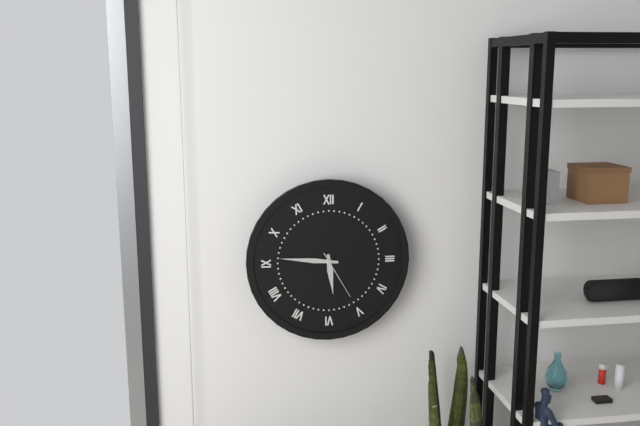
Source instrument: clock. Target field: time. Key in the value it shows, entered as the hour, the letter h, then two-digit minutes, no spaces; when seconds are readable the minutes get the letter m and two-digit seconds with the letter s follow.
5h46m25s
